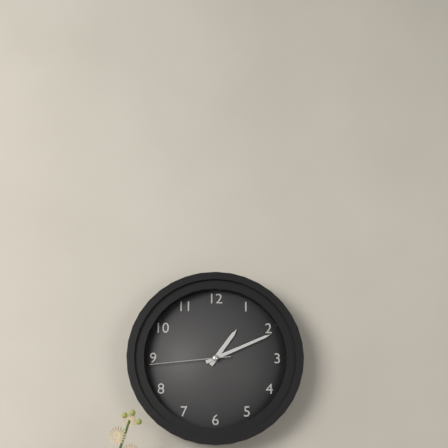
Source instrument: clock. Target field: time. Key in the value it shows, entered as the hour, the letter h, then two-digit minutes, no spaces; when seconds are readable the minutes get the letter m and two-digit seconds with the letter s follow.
1h11m44s
